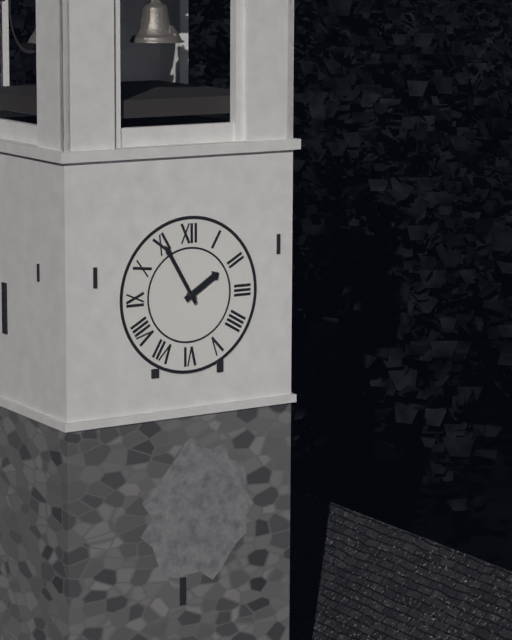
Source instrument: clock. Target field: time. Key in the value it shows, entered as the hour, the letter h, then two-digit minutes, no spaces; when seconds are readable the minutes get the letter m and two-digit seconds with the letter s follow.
1h55
